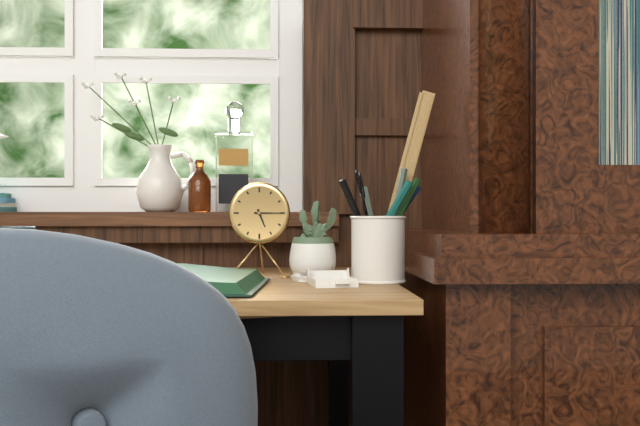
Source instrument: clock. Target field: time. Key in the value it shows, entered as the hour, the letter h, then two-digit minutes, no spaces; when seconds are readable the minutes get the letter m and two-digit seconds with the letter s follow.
5h15
